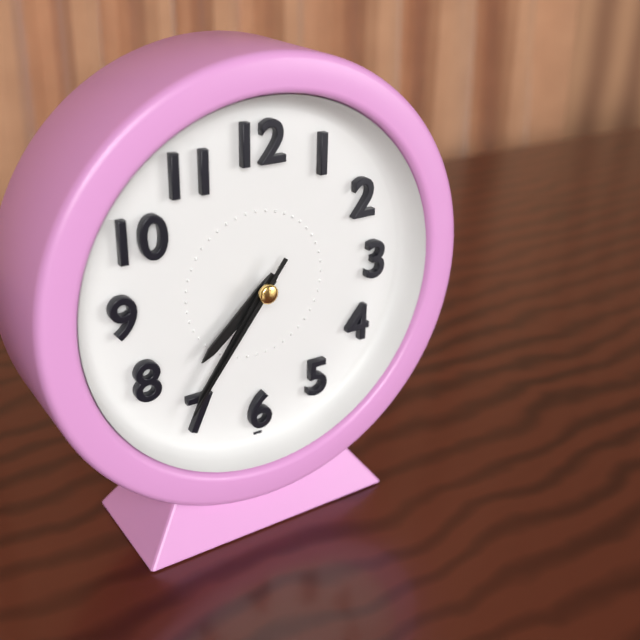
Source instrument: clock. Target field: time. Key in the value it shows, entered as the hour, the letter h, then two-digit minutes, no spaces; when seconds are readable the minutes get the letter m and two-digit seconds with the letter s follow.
7h36m36s
